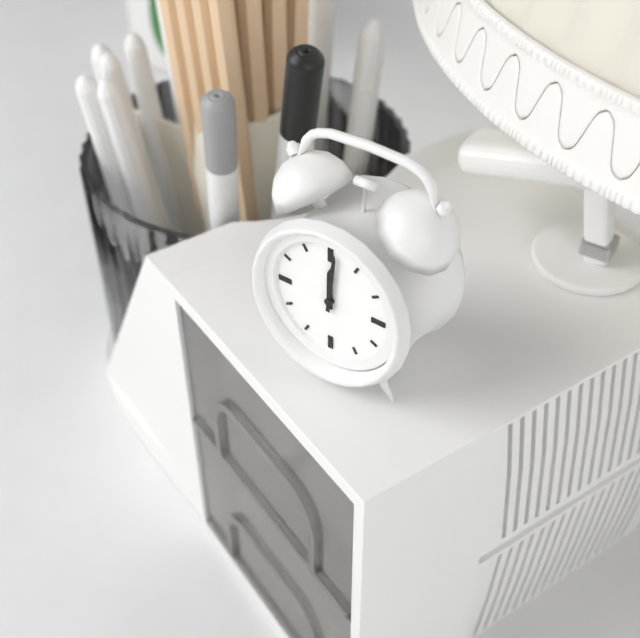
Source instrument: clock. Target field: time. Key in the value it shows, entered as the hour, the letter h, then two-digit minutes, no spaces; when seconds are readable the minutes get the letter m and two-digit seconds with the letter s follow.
12h01
